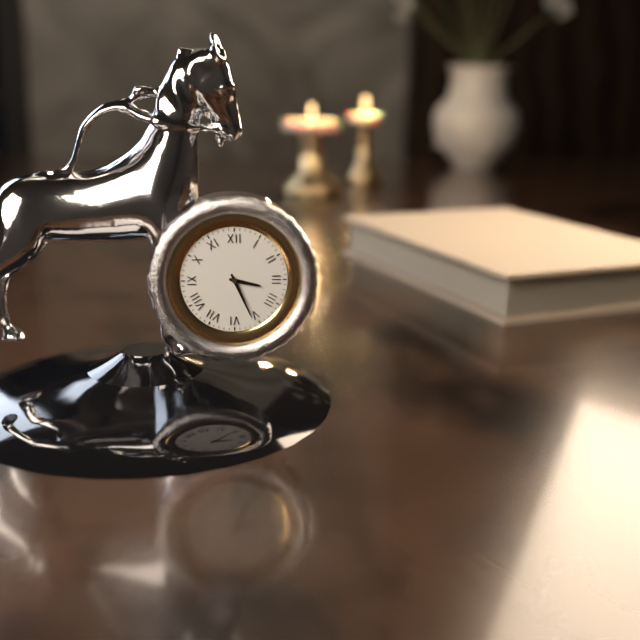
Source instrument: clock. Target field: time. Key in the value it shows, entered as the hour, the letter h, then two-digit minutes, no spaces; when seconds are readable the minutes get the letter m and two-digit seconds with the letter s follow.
3h26
